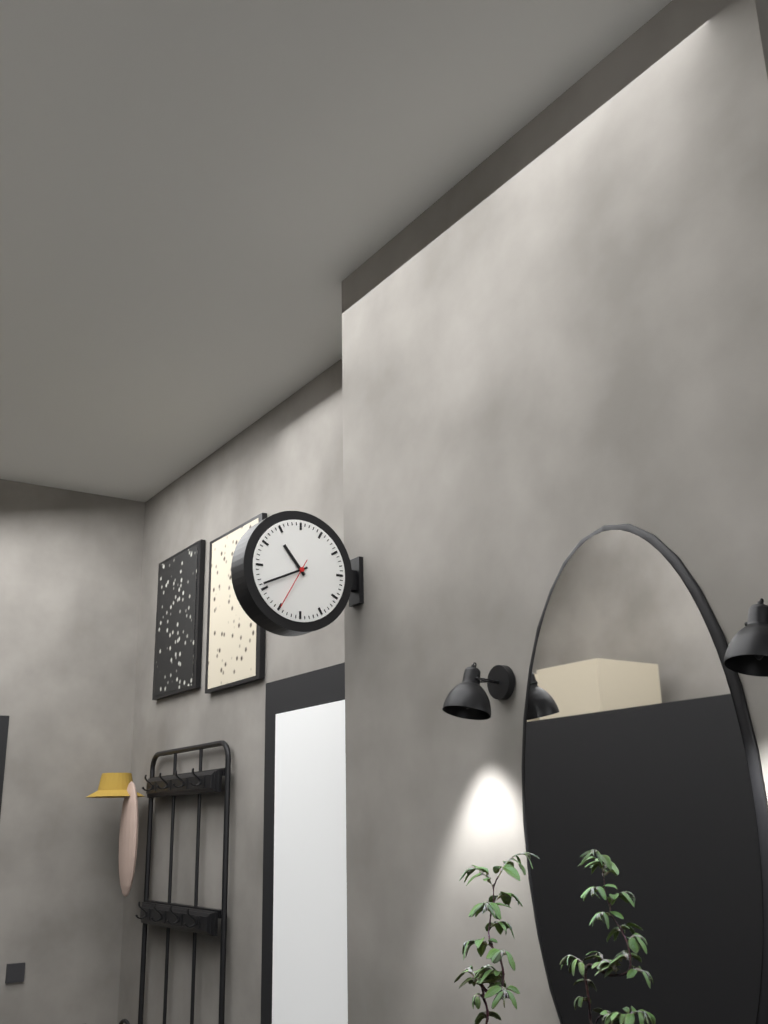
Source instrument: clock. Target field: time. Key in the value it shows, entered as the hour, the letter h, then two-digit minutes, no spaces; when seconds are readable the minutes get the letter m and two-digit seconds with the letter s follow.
10h41m35s
